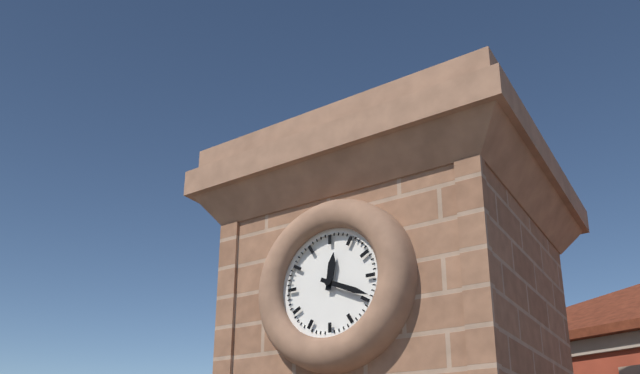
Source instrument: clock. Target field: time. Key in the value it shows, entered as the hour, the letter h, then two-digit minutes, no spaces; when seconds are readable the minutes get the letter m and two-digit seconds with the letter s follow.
12h19
